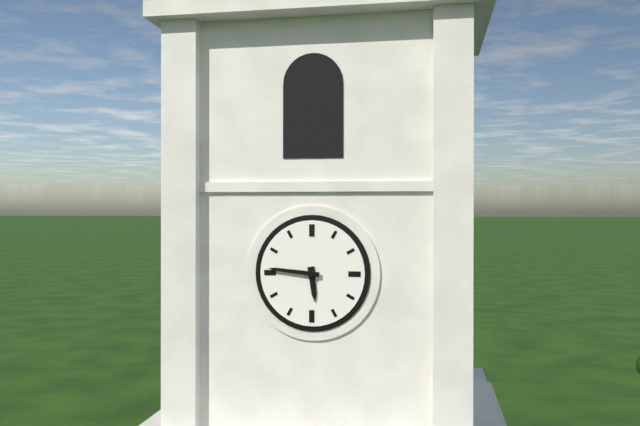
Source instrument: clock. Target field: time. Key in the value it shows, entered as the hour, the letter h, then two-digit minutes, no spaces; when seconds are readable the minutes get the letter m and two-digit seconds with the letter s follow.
5h46
